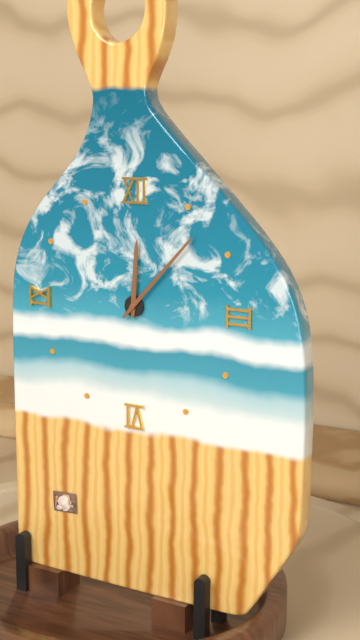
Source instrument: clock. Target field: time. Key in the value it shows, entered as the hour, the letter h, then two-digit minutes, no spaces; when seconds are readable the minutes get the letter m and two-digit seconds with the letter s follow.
12h07
